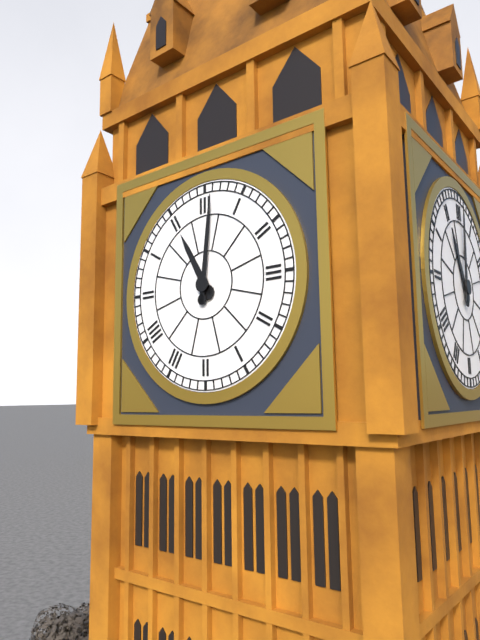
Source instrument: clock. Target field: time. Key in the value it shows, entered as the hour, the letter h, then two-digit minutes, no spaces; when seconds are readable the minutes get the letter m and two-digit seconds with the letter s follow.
11h01
